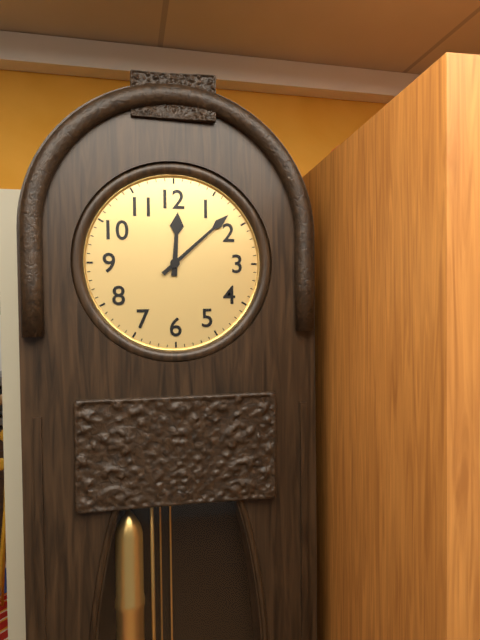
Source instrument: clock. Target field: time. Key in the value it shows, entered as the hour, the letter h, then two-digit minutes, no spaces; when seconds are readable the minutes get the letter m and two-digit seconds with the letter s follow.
12h08
